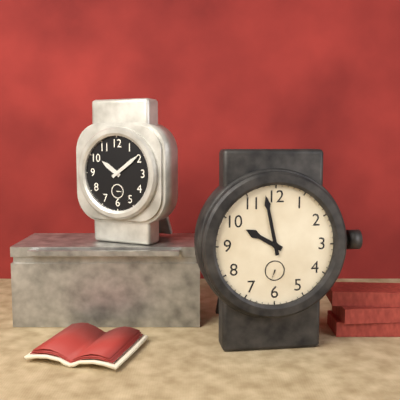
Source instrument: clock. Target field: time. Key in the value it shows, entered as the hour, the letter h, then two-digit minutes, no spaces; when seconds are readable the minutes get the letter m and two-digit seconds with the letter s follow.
9h58
